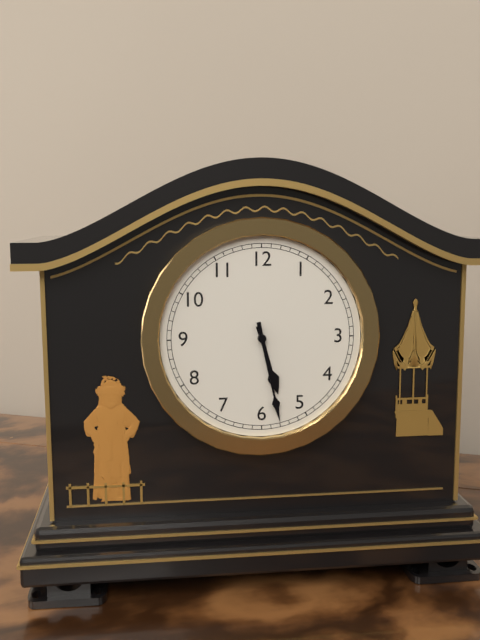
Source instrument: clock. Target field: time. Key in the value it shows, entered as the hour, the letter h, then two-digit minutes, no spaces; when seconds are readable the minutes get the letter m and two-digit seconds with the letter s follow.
5h28
